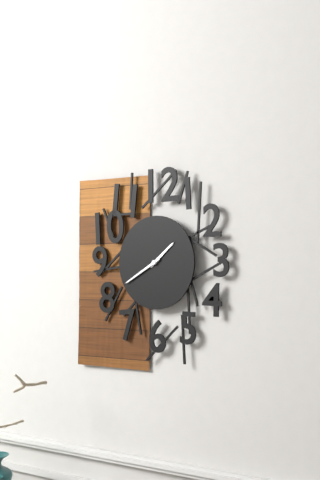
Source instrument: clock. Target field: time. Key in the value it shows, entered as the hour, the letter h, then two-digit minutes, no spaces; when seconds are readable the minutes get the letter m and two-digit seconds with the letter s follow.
1h40
